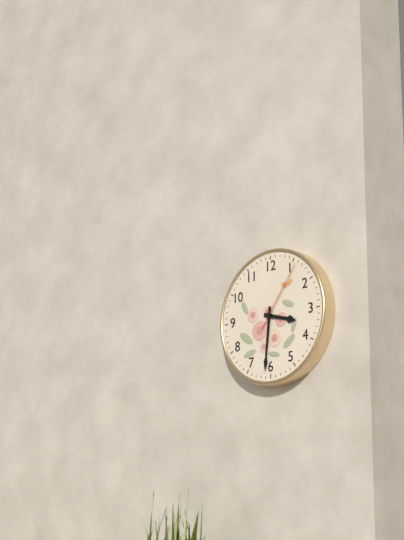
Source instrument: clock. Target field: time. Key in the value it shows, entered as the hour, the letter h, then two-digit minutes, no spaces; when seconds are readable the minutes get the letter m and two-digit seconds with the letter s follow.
3h31m06s
